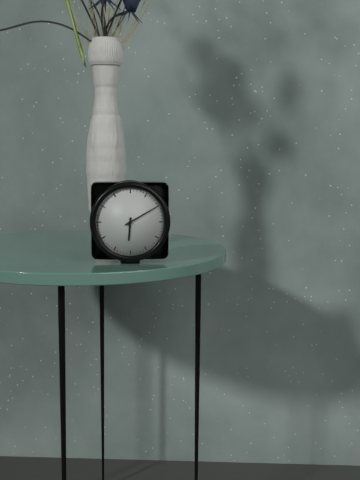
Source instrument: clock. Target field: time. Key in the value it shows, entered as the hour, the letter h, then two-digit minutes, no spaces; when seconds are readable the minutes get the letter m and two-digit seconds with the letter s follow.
6h10
